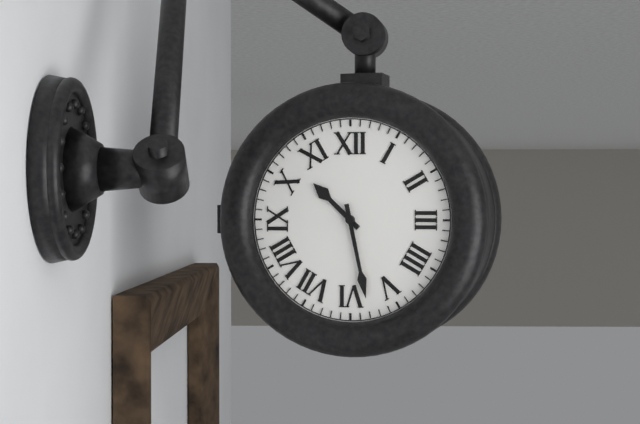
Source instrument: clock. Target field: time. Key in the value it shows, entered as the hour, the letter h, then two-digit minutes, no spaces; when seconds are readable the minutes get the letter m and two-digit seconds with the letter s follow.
10h28
